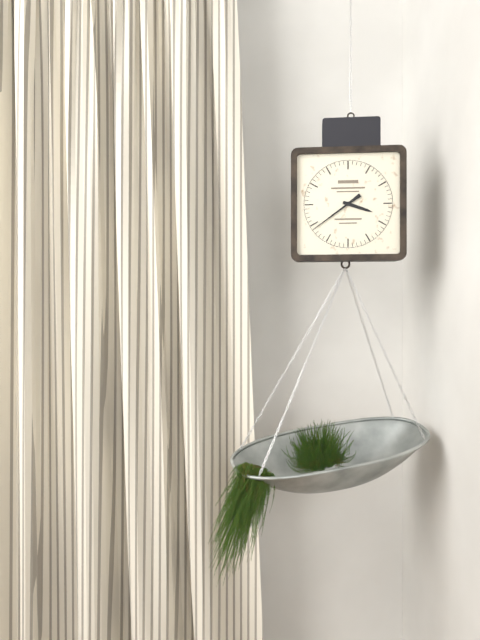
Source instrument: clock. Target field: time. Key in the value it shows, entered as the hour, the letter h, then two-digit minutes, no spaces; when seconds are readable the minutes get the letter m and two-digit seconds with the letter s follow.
3h39
